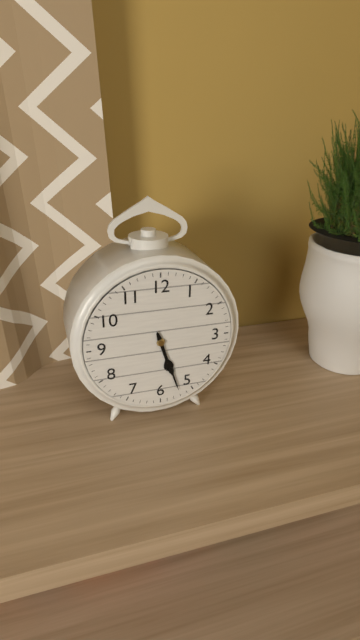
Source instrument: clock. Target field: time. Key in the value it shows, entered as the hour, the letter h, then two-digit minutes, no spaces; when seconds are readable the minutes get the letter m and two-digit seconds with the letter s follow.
5h27
